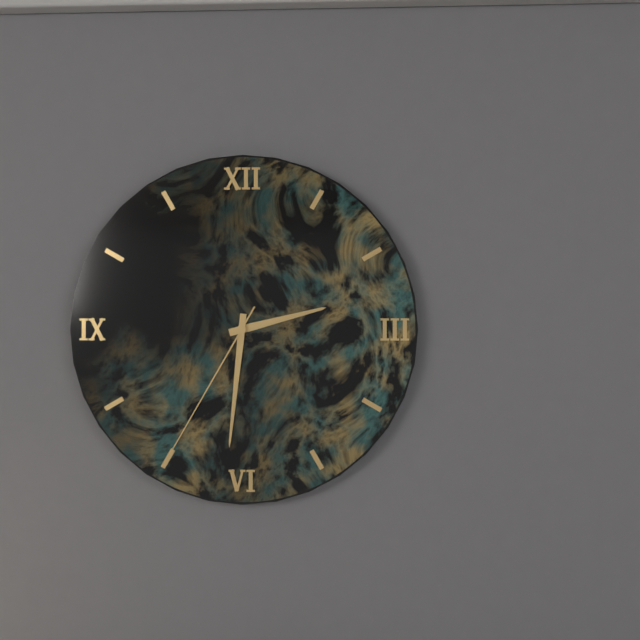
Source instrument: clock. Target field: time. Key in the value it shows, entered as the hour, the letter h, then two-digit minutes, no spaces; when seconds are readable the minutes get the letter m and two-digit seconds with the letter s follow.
2h31m35s
